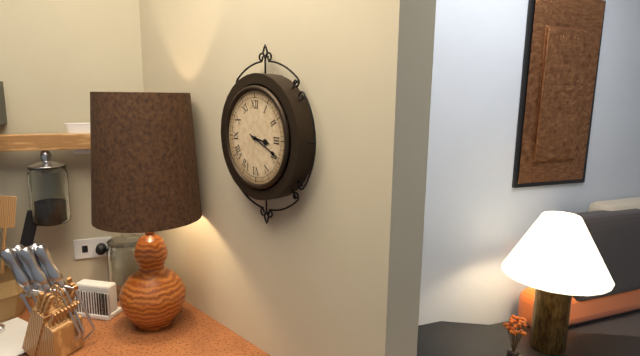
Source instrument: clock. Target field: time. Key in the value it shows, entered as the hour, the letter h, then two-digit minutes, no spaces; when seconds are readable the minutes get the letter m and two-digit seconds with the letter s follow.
3h19
